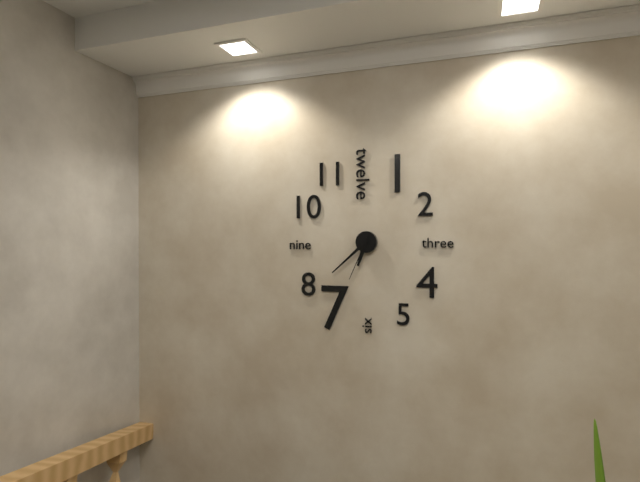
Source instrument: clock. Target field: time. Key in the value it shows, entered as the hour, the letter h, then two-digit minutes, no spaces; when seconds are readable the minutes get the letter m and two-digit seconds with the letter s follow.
6h38m34s
